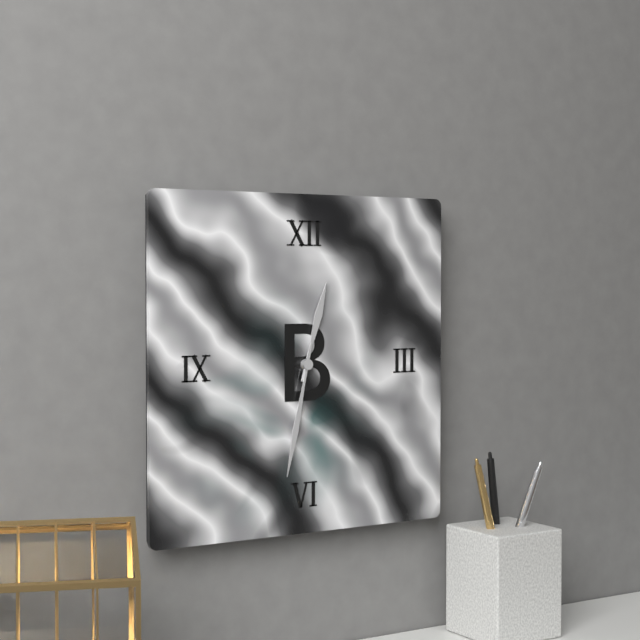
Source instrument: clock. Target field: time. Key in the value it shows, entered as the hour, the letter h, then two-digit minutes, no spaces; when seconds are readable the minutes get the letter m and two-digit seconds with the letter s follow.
12h32
